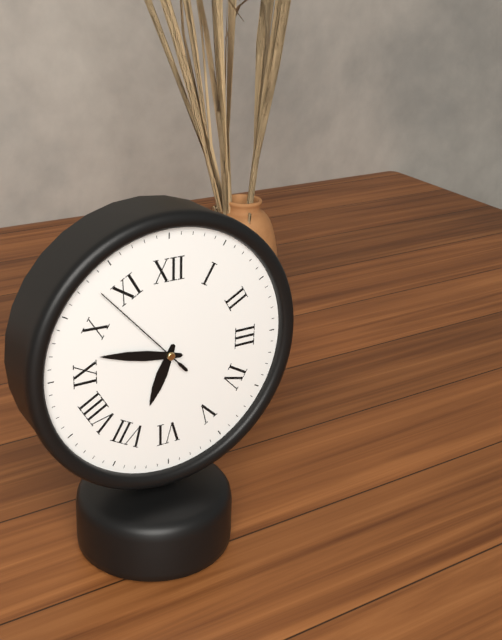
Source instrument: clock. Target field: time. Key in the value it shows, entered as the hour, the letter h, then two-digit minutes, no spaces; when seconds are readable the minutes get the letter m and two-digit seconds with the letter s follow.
6h47m53s
